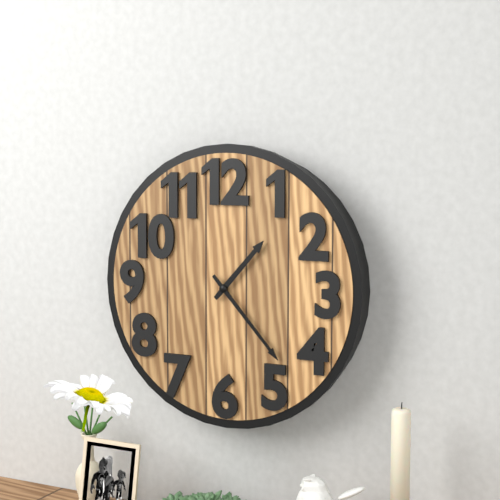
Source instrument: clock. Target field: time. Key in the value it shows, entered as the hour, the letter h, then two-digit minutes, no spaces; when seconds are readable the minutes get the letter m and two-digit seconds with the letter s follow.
1h23
